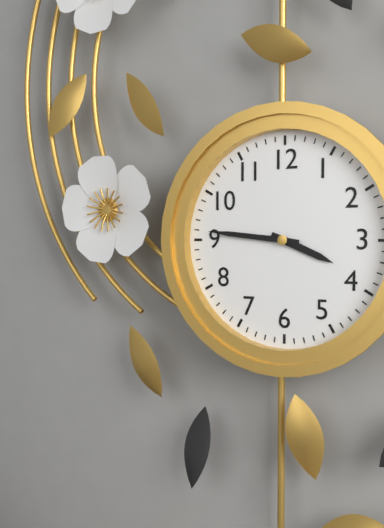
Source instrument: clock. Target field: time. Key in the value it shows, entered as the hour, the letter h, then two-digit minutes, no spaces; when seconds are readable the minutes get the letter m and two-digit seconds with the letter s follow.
3h46
